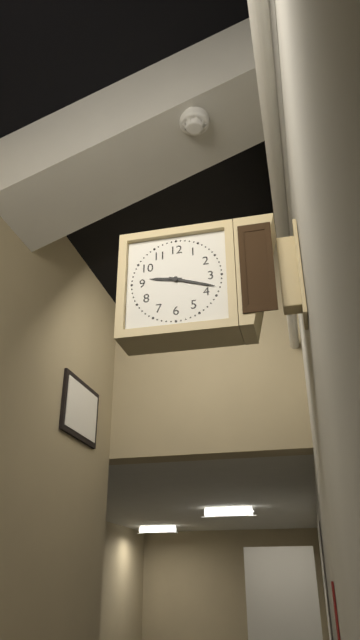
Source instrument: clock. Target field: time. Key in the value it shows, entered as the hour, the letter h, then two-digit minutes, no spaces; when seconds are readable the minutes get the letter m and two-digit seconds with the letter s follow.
9h18
